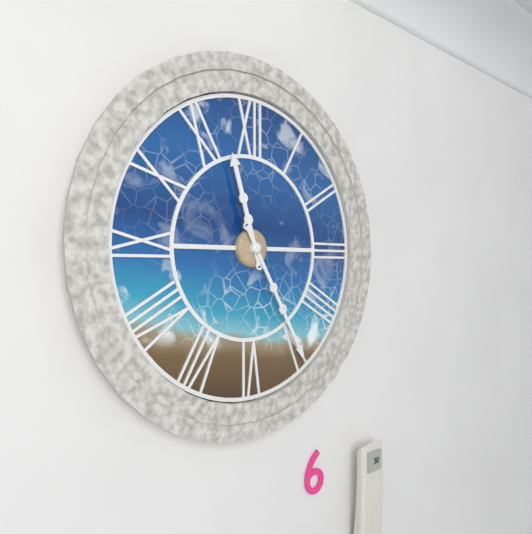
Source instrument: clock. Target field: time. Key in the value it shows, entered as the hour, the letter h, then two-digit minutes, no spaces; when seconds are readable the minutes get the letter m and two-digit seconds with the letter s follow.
11h25
